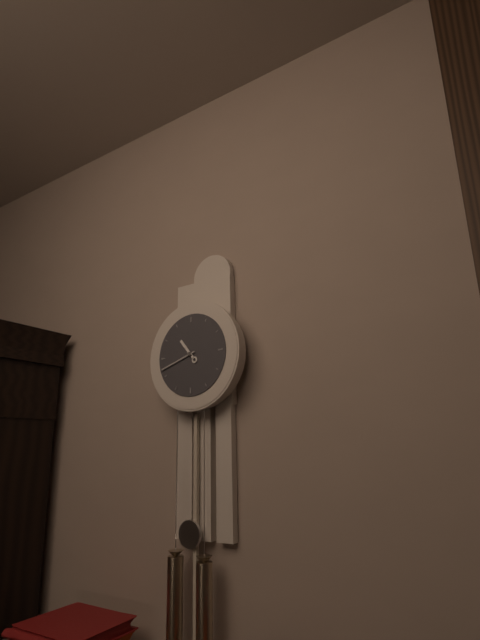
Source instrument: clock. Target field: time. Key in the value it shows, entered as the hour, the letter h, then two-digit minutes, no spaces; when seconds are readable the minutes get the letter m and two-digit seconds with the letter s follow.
10h42
